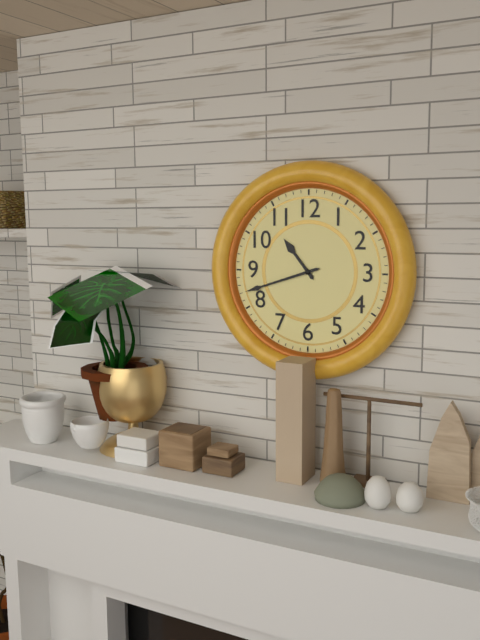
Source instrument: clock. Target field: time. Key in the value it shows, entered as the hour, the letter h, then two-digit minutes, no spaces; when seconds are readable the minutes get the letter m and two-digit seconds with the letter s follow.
10h42
